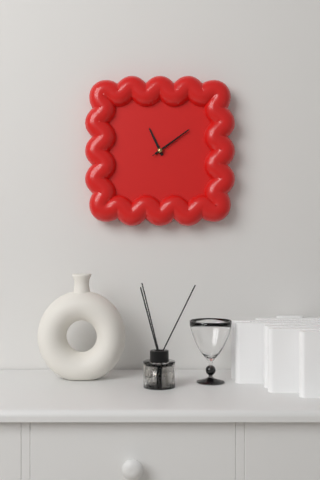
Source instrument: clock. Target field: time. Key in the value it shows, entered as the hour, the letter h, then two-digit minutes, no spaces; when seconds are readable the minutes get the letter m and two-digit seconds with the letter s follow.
11h09
